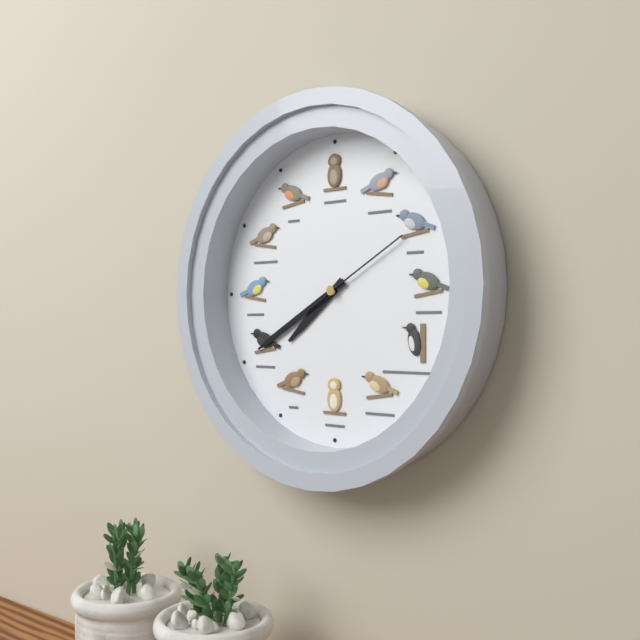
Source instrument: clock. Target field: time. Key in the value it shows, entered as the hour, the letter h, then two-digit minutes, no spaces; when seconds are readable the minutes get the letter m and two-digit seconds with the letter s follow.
7h40m10s
